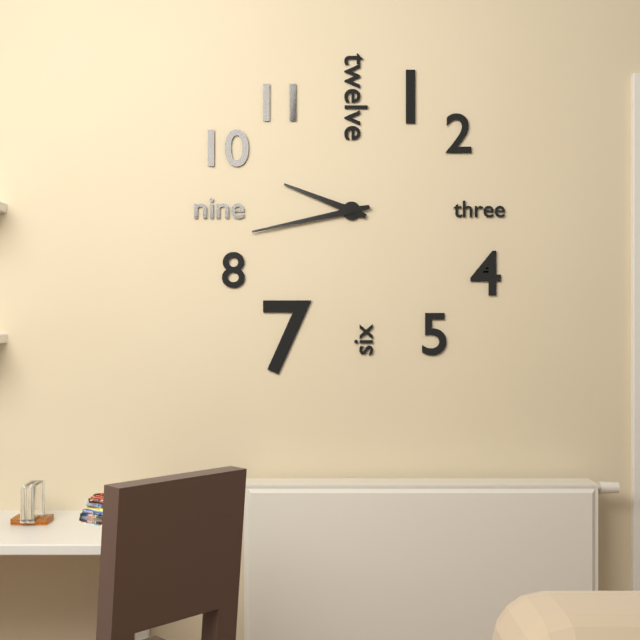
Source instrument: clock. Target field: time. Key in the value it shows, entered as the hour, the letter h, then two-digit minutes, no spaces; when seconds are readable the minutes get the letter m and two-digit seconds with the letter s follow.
9h43
